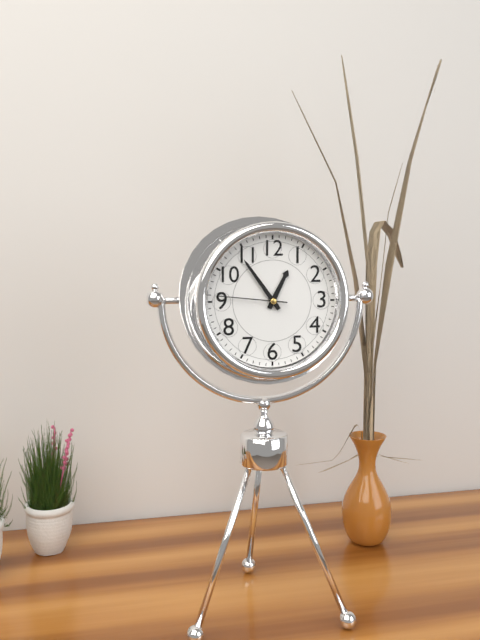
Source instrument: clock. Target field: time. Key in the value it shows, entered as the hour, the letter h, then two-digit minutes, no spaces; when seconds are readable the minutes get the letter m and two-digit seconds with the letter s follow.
12h54m46s
